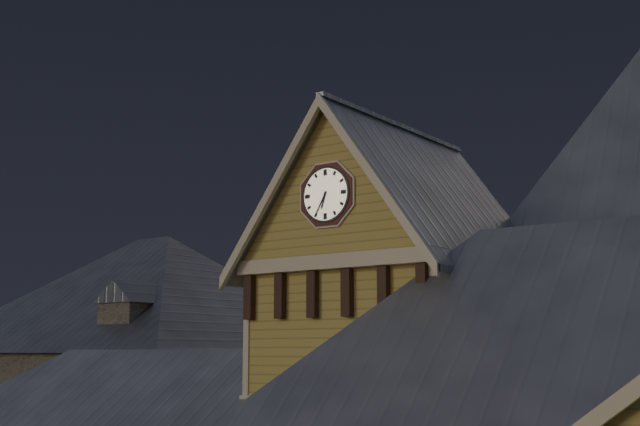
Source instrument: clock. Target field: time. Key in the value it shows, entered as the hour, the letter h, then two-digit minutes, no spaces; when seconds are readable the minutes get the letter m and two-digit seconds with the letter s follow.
6h35
